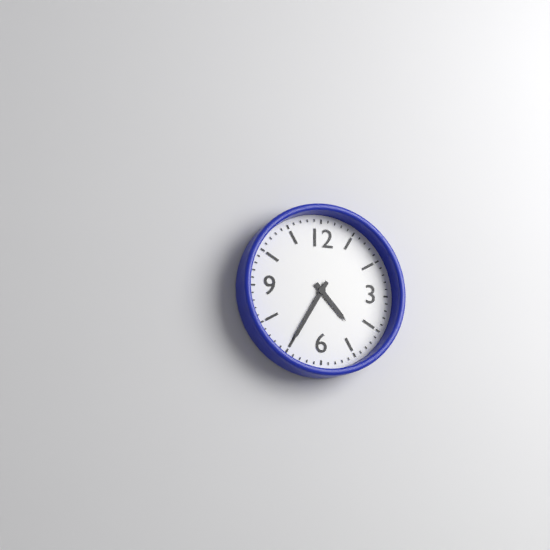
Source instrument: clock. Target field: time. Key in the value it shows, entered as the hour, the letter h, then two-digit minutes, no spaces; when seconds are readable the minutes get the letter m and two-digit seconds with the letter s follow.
4h35
